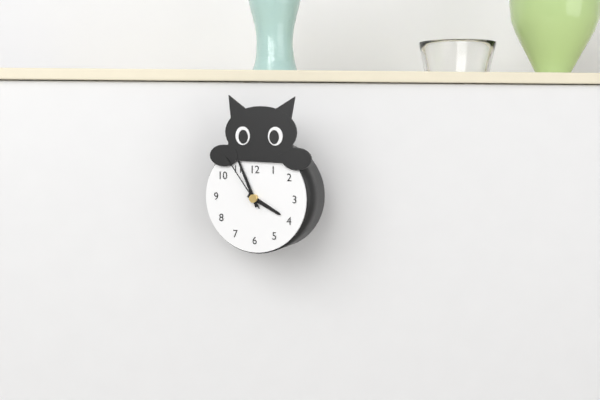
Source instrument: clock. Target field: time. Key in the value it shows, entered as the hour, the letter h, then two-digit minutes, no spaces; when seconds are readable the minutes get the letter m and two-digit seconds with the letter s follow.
3h56m54s
